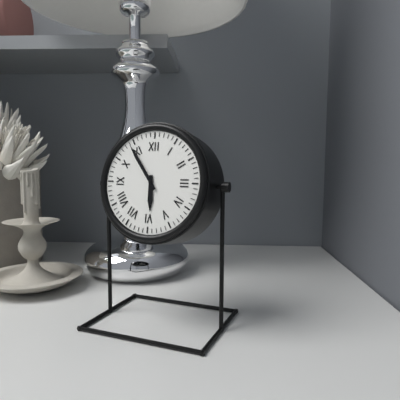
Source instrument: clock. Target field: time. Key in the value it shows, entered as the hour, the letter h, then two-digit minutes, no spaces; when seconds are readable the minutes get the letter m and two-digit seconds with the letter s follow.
5h54
